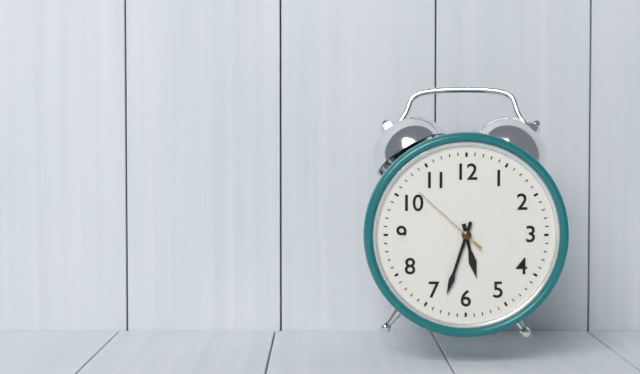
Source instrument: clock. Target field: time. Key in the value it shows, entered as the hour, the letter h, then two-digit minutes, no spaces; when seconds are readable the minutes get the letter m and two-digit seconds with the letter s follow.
5h33m52s
